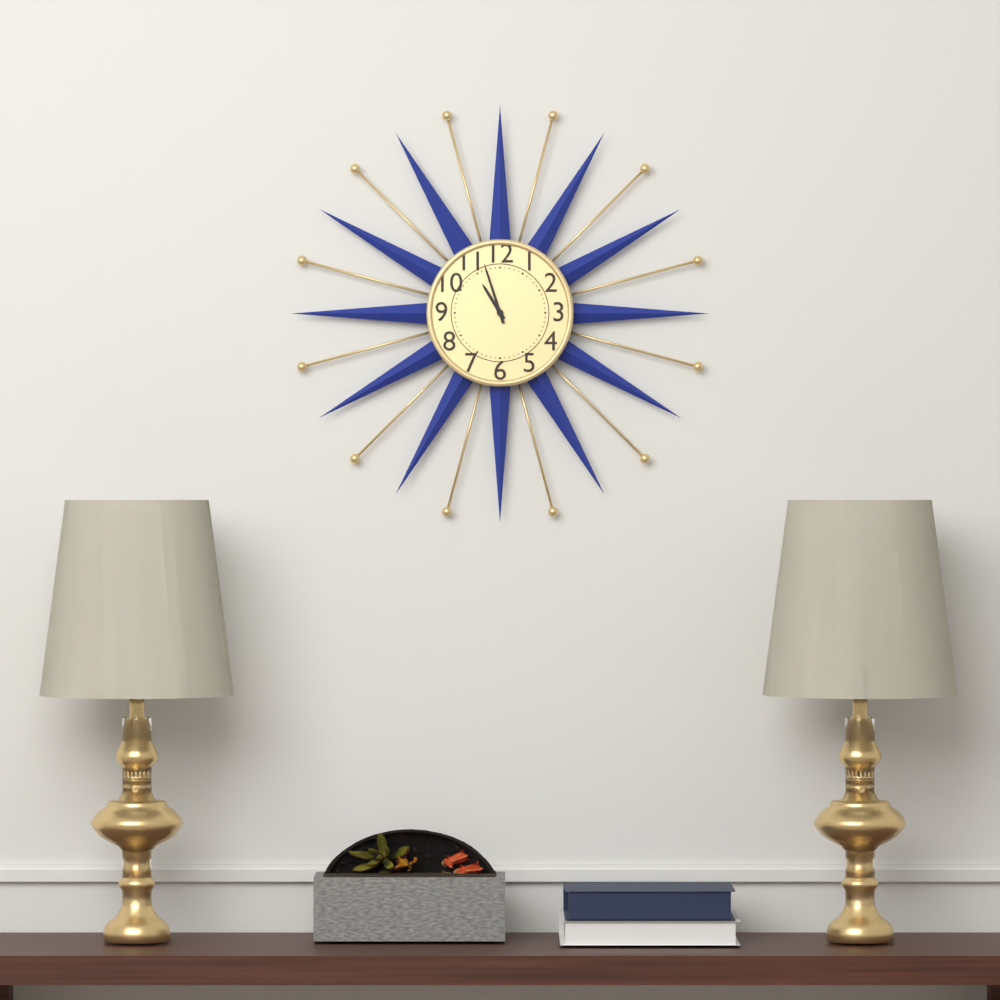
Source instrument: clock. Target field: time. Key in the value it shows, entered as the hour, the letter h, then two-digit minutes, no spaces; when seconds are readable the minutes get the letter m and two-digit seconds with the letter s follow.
10h57
